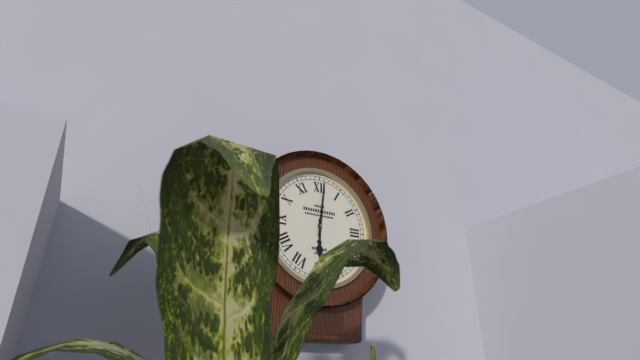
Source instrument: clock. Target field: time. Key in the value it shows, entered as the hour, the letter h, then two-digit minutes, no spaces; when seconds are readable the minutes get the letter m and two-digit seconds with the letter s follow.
6h01
